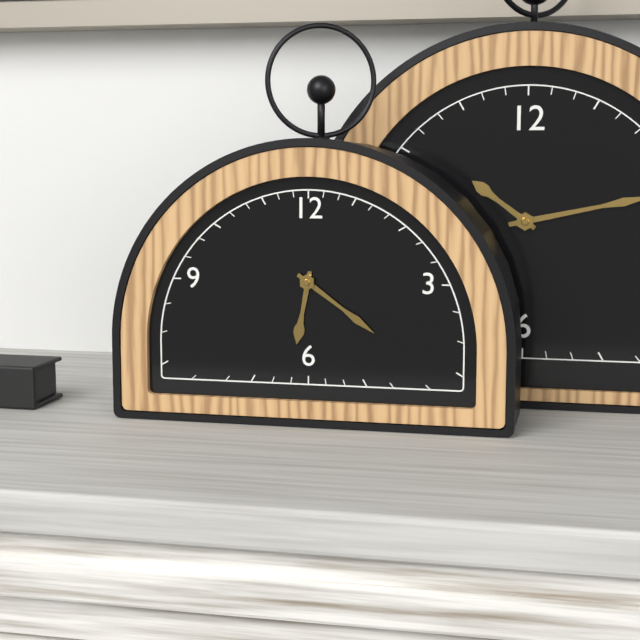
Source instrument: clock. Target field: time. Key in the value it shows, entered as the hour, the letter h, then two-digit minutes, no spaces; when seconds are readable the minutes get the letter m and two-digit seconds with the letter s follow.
6h21
